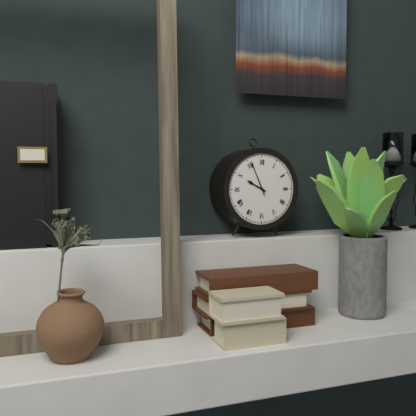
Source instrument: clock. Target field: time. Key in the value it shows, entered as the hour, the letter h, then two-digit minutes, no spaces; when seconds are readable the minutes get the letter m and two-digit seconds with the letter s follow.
9h56
